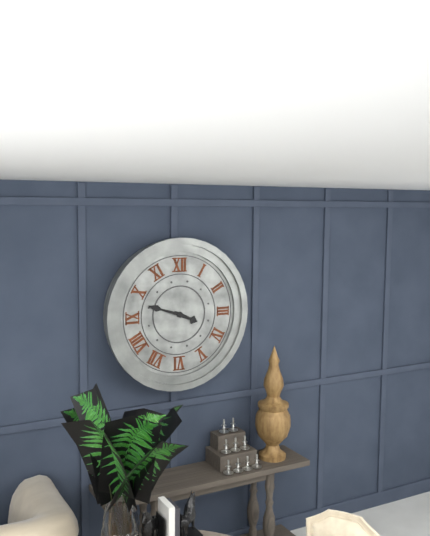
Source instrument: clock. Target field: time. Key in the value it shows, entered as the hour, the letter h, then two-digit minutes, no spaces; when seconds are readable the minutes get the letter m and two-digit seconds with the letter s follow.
3h48
